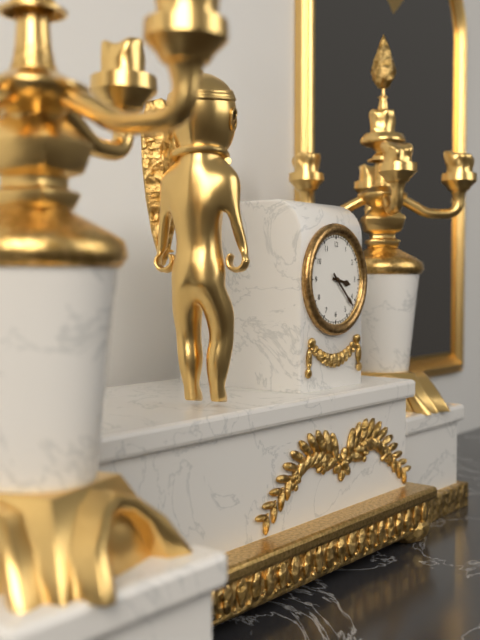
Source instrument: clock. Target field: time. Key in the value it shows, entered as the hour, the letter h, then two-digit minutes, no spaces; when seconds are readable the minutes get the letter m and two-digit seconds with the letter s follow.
3h22
